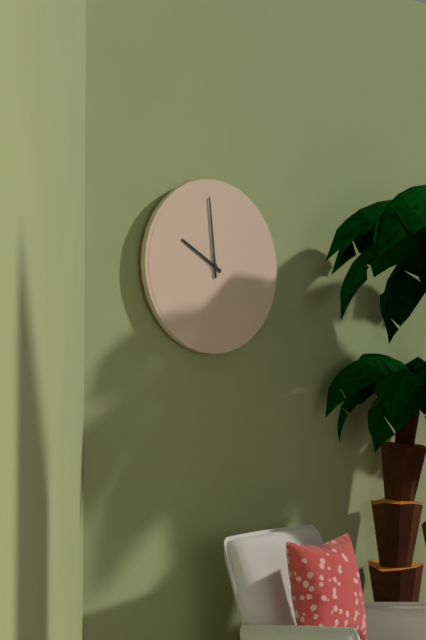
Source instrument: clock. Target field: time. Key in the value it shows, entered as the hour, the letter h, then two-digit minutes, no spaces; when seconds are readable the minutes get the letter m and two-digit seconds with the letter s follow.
9h59
